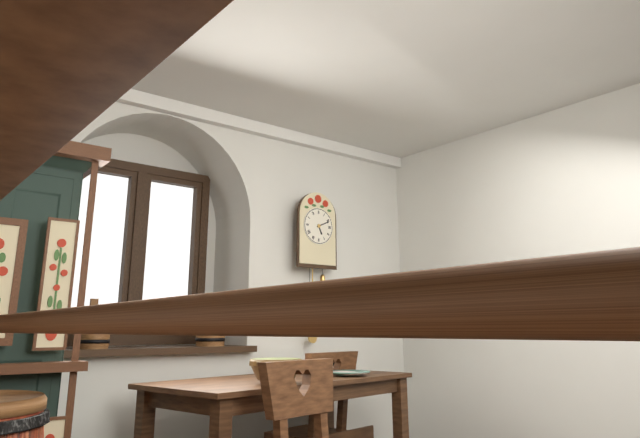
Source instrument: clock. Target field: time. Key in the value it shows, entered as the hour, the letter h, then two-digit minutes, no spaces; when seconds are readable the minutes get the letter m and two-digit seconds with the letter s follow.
5h11
